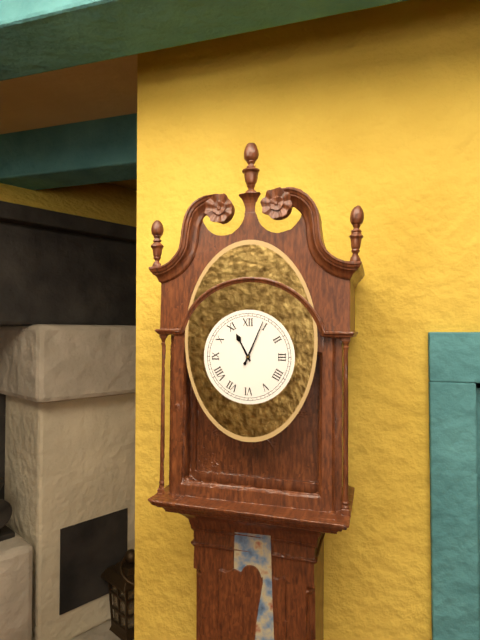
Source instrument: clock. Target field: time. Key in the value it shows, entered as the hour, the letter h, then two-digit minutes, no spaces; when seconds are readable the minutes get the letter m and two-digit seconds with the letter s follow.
11h04
